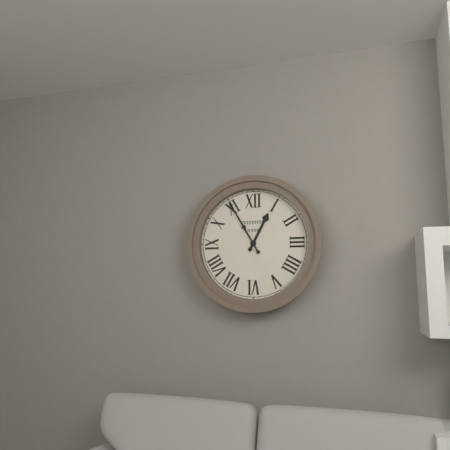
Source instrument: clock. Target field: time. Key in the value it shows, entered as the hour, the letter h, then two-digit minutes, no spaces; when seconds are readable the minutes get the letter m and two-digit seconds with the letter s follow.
12h55
